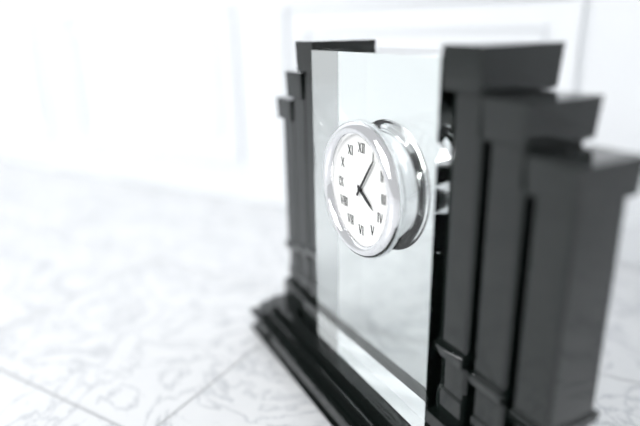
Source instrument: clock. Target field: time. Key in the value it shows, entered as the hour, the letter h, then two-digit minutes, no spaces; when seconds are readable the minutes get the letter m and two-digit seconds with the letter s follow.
4h06
